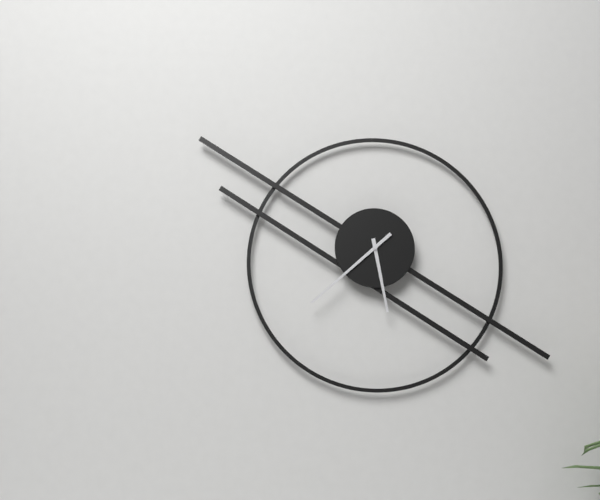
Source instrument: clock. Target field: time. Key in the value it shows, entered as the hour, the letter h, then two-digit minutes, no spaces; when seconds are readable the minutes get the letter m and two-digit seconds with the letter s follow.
5h38
